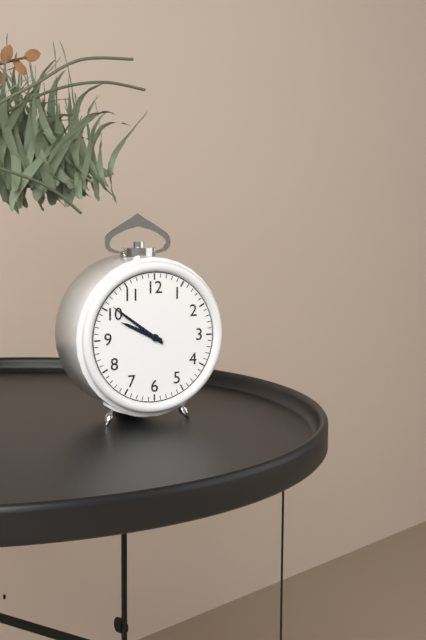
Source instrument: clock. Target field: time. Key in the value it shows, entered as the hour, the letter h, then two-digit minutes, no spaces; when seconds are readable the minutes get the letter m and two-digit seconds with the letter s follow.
9h51
